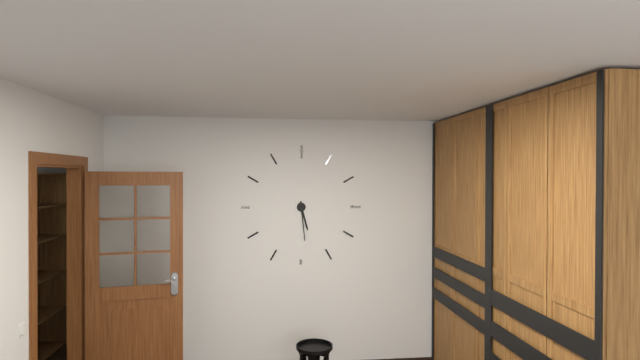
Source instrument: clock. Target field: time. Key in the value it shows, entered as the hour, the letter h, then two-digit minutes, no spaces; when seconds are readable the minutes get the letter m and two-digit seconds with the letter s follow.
5h29
